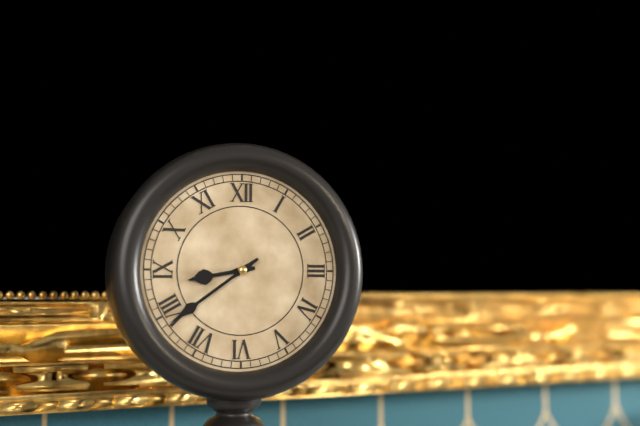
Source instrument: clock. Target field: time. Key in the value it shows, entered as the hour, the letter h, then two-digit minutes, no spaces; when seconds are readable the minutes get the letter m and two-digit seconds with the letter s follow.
8h39
